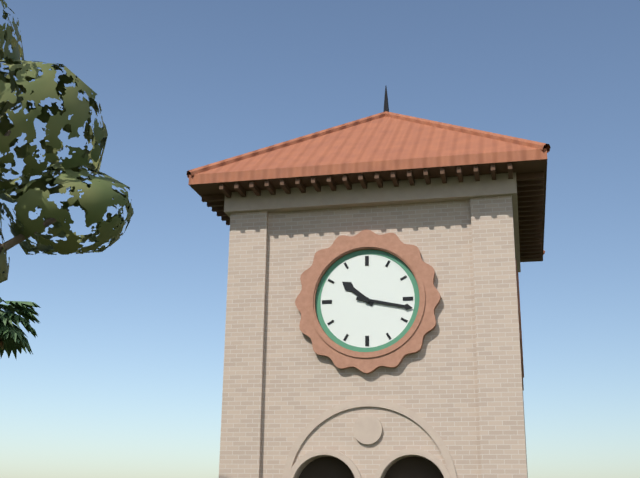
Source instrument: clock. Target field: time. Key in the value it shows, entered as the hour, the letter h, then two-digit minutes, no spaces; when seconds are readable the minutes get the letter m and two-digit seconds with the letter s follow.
10h17
